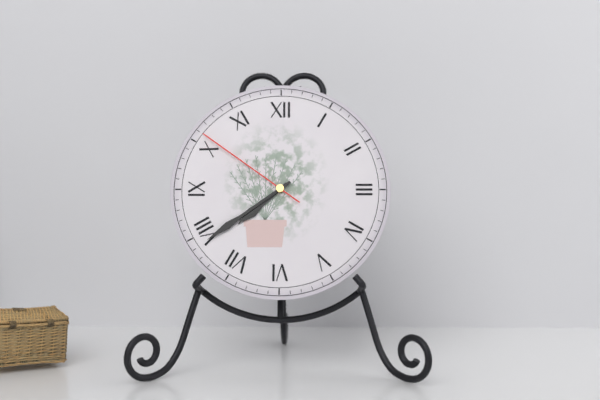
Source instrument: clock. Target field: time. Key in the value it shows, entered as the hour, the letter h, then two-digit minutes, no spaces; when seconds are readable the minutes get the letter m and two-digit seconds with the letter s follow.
7h39m51s
